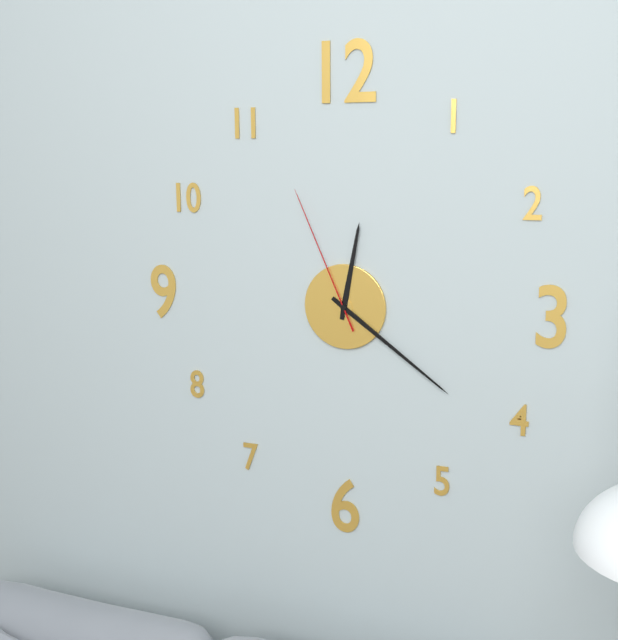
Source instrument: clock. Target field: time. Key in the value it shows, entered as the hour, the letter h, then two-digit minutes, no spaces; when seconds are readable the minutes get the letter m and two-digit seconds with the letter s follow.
12h21m56s
